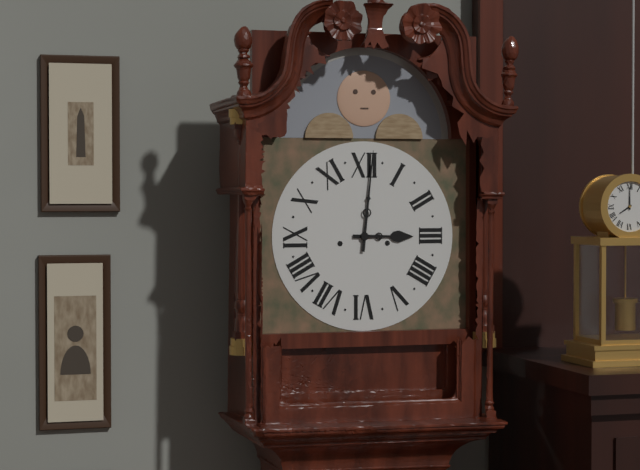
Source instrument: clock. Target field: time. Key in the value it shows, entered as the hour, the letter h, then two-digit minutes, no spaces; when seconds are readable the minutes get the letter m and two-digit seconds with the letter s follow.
3h01
